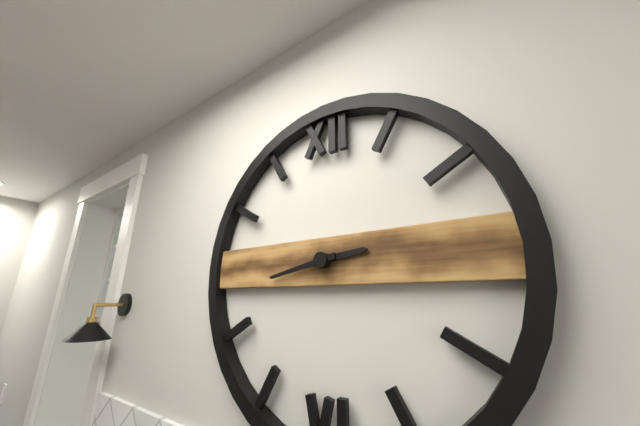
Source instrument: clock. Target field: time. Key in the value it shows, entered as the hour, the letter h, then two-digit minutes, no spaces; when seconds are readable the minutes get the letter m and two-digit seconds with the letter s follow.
2h43
